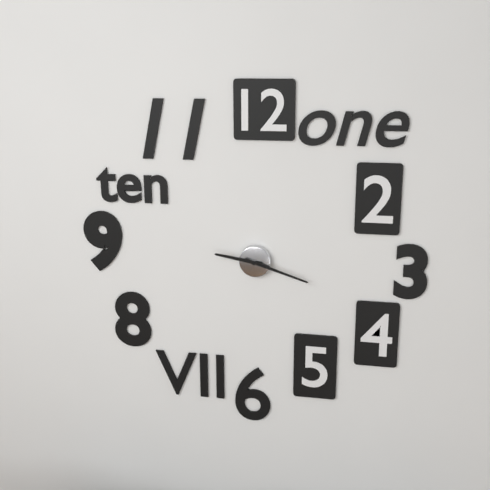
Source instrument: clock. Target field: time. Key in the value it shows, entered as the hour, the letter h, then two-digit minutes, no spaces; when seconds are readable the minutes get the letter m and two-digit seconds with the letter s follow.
9h18
